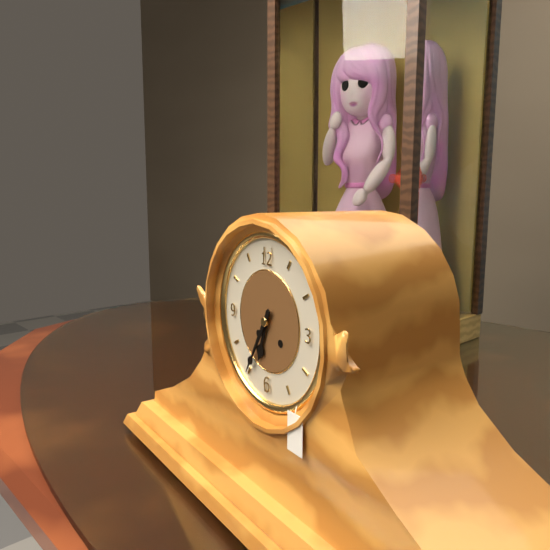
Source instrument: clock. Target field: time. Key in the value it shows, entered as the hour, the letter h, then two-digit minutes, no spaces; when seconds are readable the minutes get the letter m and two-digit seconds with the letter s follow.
6h35
